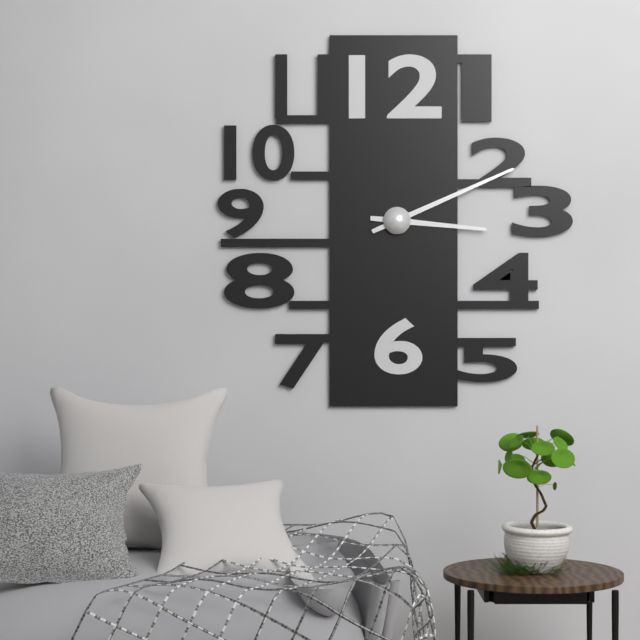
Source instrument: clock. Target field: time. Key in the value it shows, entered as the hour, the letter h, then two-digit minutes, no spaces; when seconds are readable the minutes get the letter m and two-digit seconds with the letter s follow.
3h11
